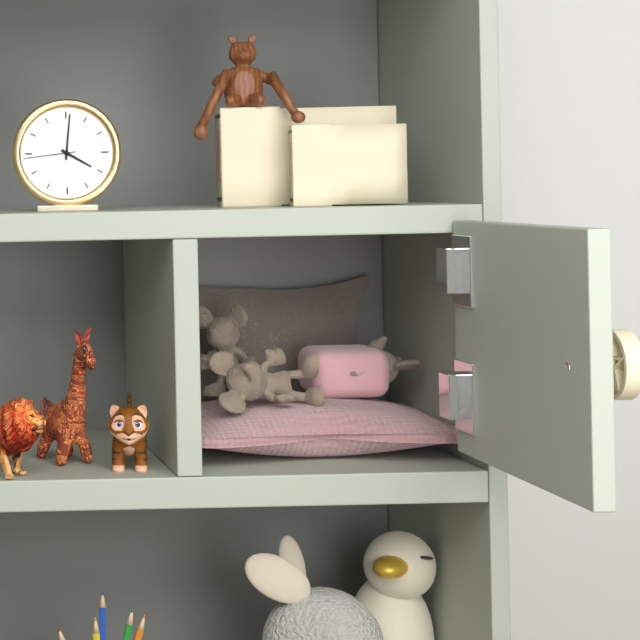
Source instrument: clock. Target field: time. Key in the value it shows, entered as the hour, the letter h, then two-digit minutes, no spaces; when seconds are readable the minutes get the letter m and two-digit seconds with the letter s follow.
4h01m44s
